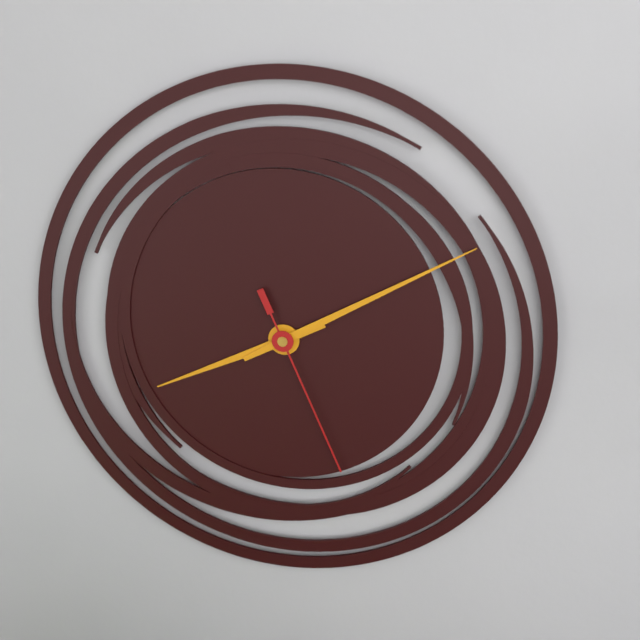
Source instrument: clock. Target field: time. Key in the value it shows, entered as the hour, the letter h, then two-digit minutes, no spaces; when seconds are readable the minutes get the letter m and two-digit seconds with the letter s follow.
8h10m26s
